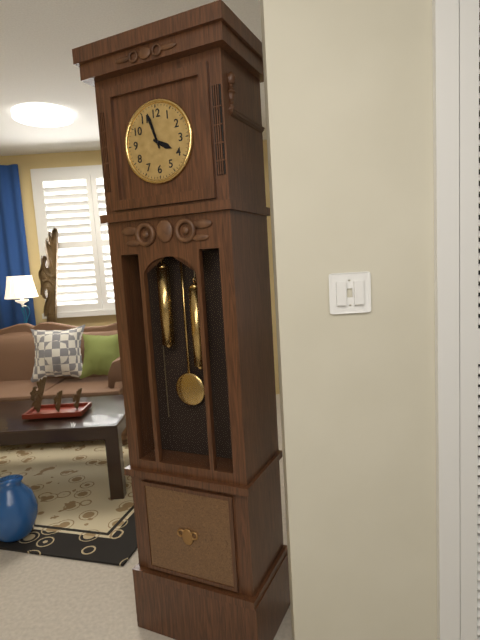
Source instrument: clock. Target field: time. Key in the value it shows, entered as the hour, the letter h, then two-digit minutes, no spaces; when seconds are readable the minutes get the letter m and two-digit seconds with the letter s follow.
3h57
